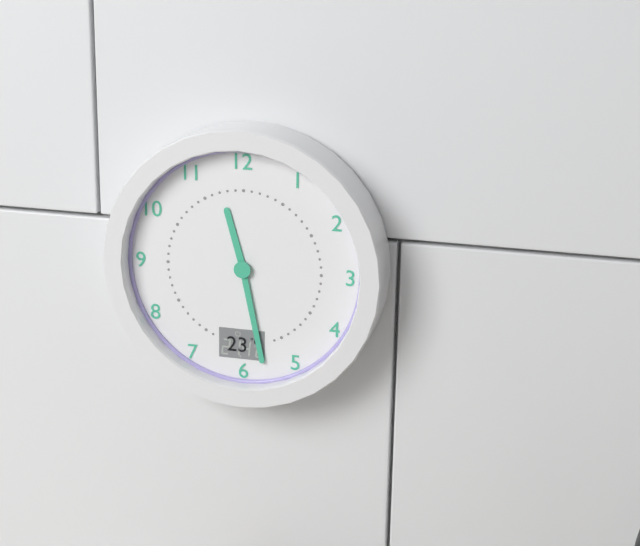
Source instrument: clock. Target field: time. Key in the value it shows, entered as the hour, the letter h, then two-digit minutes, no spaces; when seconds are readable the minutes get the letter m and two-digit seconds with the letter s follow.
11h28
